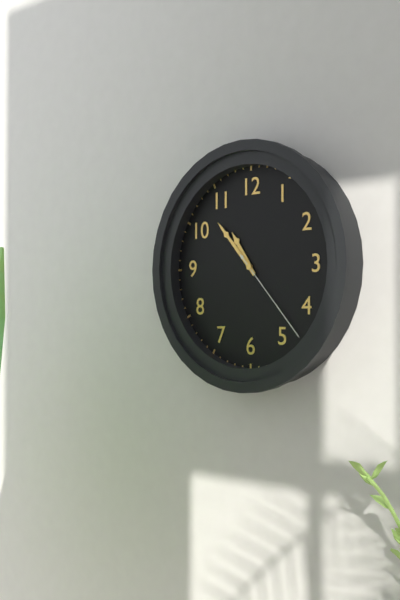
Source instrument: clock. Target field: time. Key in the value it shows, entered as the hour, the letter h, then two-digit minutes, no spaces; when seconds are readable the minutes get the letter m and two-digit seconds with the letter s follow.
10h53m23s
